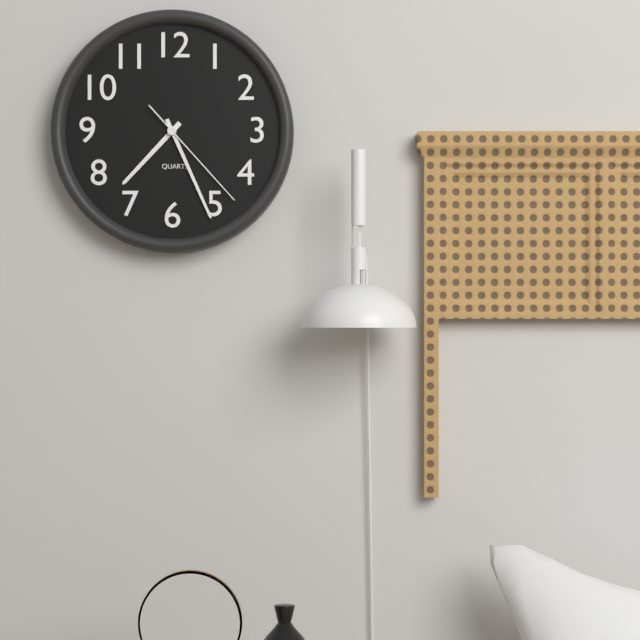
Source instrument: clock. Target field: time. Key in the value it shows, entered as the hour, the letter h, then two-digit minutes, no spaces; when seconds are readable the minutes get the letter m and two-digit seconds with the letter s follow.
7h26m23s
